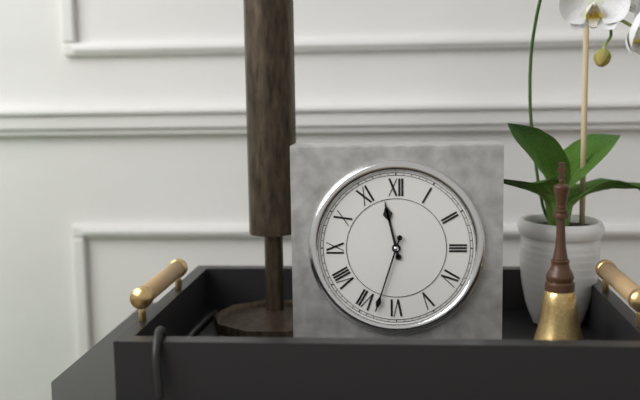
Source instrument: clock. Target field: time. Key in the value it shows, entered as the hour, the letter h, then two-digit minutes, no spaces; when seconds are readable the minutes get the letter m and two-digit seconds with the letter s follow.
11h33
